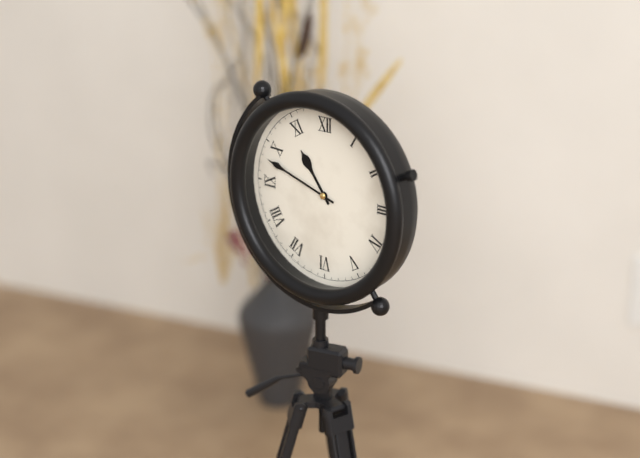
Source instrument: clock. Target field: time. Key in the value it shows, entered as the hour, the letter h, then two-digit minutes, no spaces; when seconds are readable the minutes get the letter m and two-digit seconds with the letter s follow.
10h48
